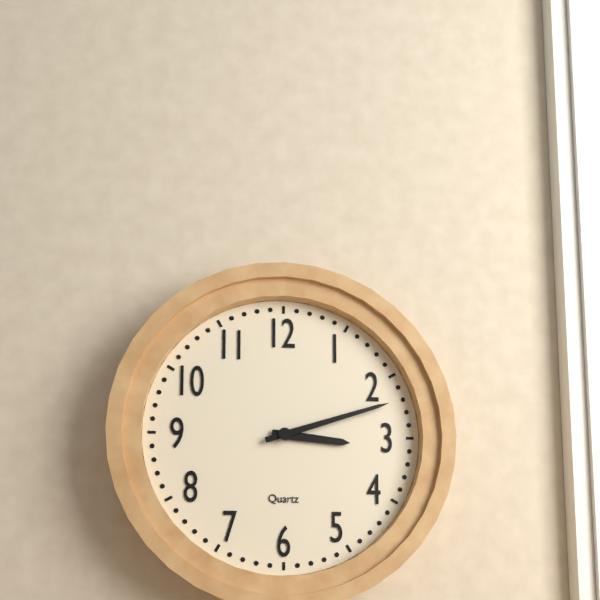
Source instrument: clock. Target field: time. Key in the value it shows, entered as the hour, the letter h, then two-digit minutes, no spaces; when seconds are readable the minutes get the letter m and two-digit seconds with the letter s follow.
3h12
